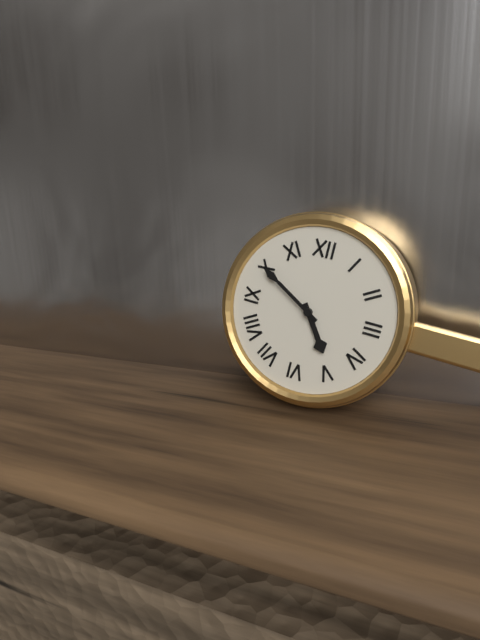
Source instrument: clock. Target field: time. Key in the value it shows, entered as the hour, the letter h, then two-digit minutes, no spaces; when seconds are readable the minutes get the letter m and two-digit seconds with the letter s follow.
4h50
